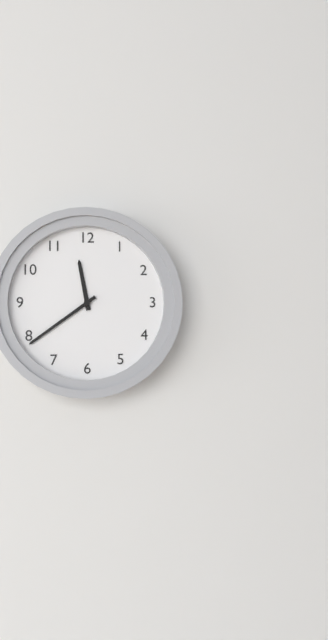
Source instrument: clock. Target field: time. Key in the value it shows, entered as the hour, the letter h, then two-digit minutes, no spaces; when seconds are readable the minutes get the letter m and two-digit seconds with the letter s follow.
11h39
